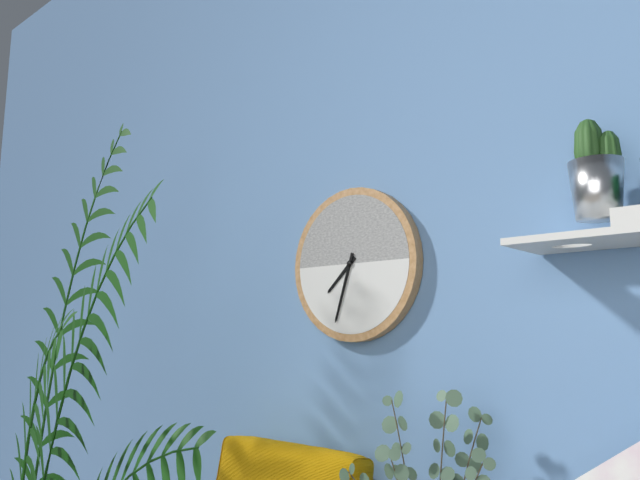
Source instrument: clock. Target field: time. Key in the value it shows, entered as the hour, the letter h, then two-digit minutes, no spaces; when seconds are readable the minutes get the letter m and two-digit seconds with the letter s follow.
7h33
